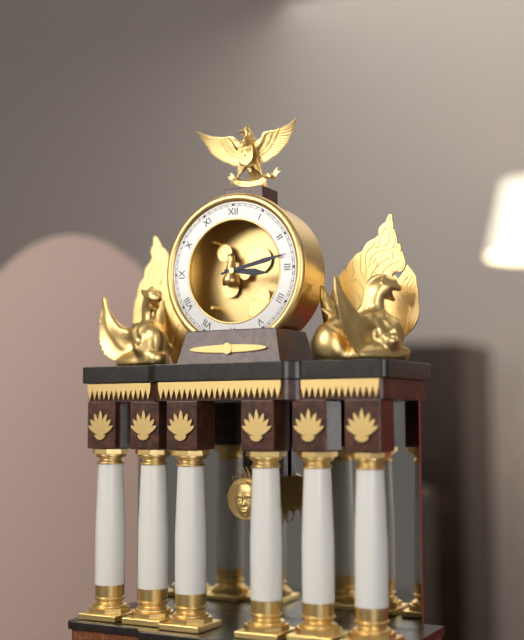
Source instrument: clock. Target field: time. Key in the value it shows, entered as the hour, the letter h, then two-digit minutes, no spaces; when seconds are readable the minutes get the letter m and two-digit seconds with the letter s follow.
3h13
